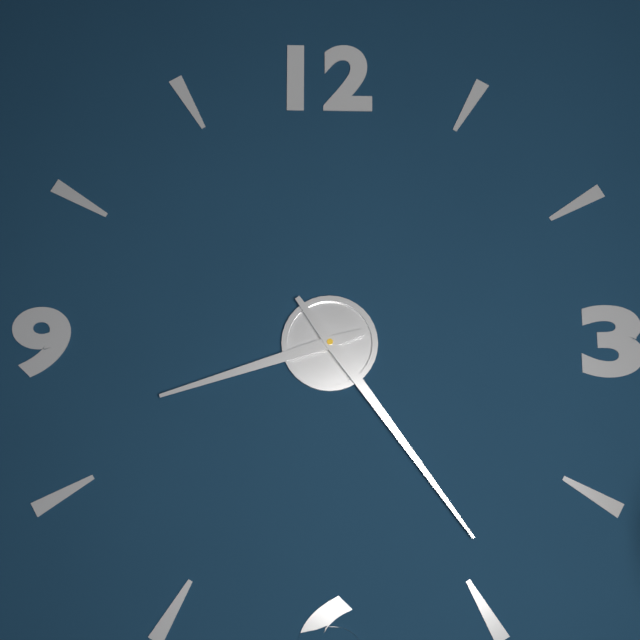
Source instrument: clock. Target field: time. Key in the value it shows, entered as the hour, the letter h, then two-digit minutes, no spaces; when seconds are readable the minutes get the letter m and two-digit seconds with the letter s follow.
8h24
